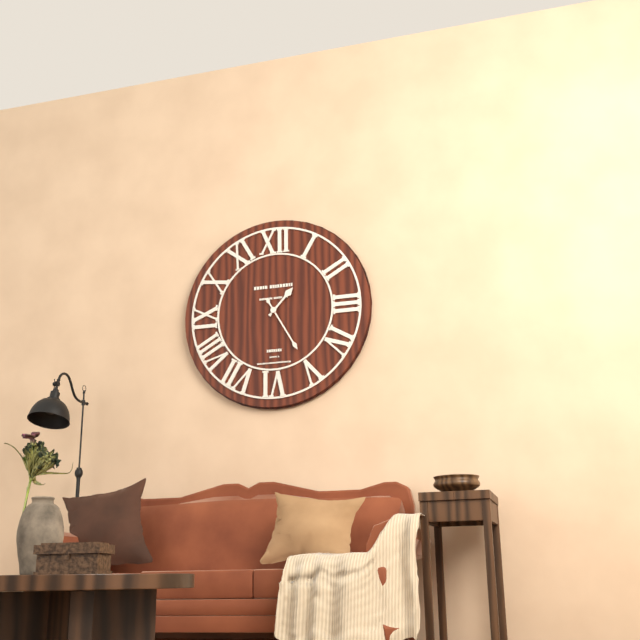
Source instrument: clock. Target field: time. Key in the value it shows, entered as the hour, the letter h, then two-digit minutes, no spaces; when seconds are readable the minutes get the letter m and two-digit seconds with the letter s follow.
1h25
